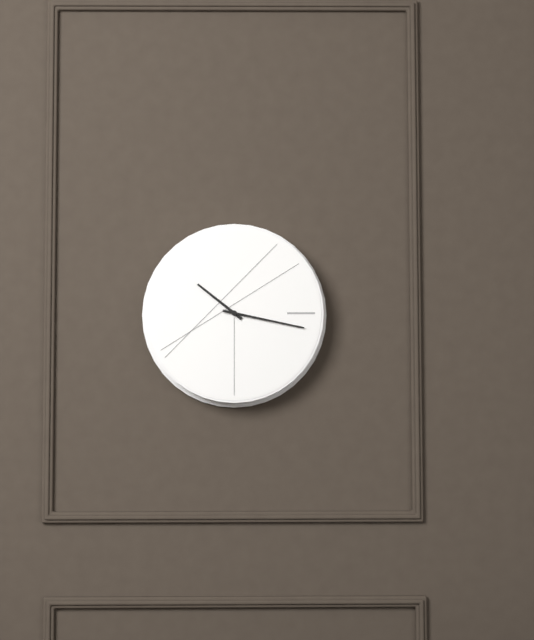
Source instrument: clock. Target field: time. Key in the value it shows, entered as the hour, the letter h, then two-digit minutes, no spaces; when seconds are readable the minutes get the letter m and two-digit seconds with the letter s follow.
10h17
